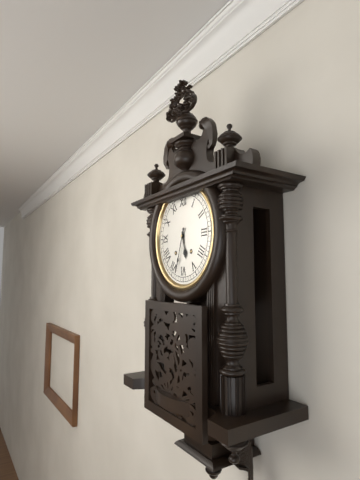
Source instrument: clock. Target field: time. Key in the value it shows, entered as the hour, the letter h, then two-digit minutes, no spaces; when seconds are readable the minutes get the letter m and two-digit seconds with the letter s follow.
5h33
